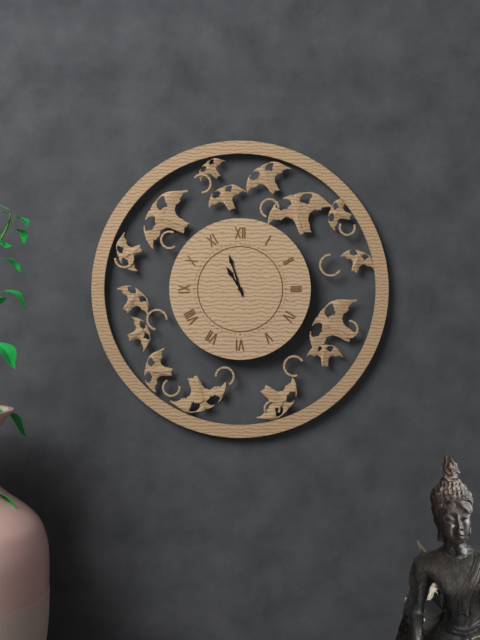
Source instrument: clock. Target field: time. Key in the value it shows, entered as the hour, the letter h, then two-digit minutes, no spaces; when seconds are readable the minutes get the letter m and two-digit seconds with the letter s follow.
10h57
